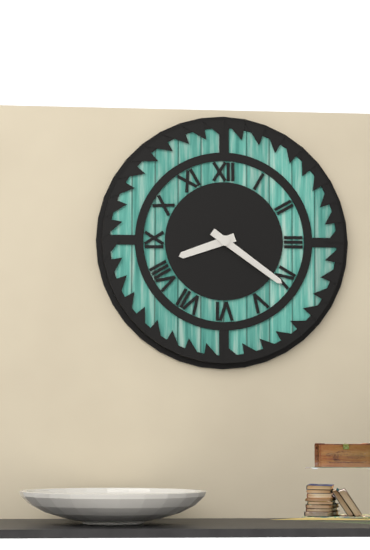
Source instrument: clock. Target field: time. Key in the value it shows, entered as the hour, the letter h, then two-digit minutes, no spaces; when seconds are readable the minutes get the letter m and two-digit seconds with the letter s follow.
8h21
